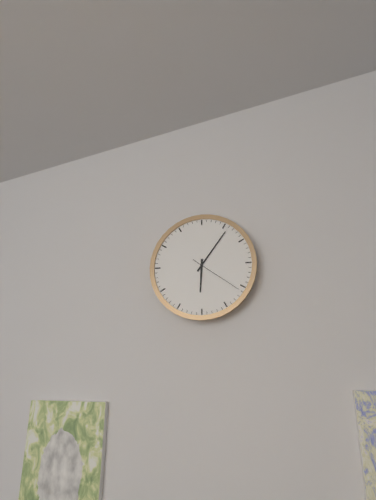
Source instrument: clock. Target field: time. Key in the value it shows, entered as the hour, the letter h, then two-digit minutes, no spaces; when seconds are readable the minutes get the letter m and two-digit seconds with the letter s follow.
6h06m21s
